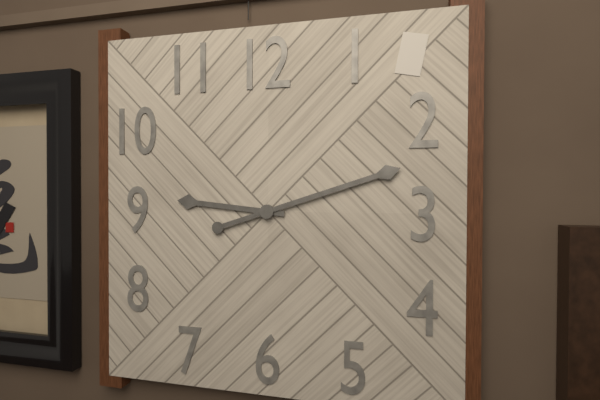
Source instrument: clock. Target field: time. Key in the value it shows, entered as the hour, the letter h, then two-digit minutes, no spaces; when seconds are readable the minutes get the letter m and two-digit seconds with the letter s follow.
9h12
